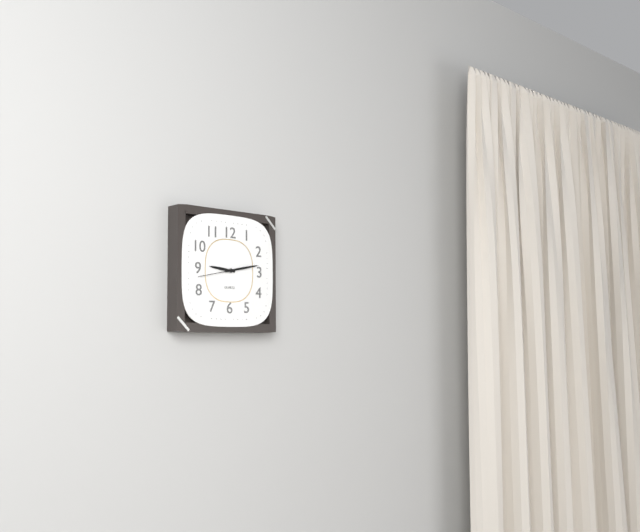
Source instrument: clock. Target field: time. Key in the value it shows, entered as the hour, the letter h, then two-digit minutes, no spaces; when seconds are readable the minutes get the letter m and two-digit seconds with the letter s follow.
9h13
